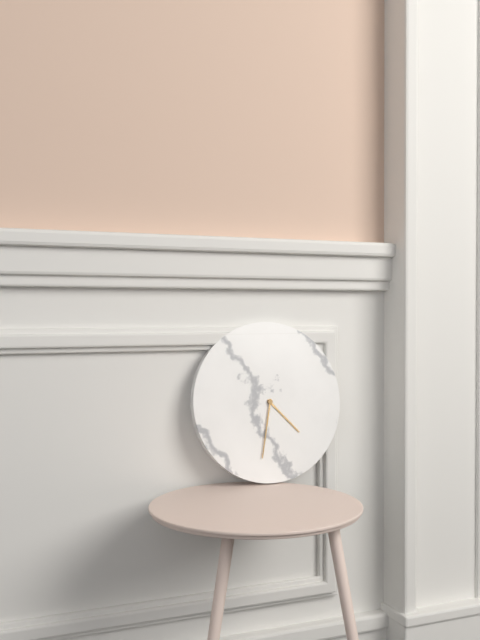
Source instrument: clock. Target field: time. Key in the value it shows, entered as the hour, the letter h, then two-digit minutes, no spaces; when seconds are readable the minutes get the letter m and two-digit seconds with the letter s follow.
4h32
